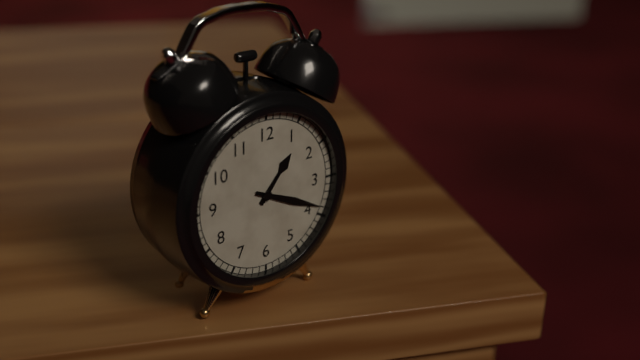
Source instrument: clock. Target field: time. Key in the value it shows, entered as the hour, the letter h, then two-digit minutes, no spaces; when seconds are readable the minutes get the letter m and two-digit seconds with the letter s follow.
1h19
